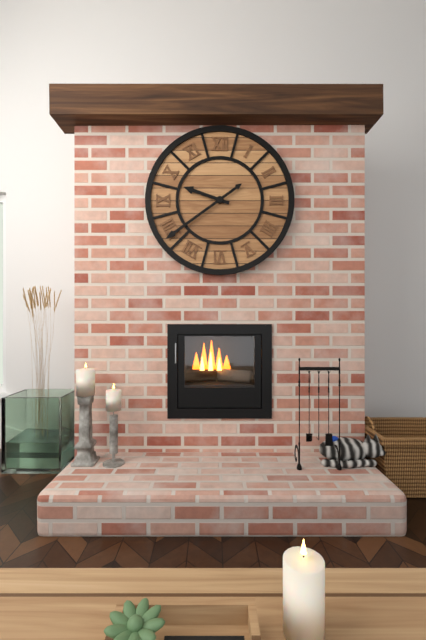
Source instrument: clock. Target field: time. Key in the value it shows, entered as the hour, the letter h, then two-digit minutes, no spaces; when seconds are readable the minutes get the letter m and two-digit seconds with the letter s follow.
9h39
